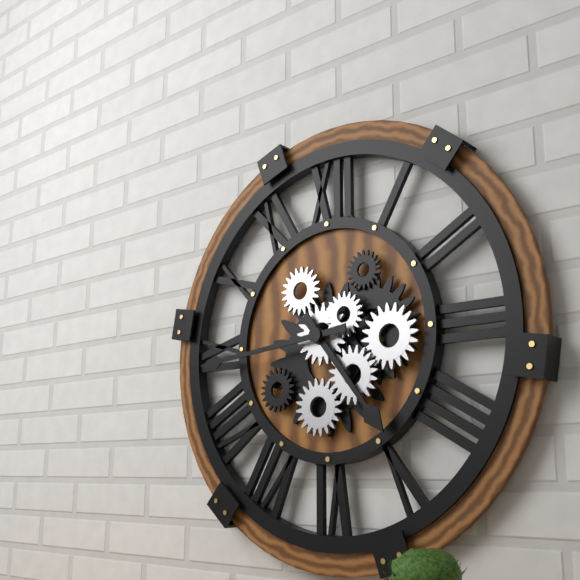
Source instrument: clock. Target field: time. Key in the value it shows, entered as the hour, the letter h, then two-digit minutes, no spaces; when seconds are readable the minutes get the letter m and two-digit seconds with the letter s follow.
4h44
